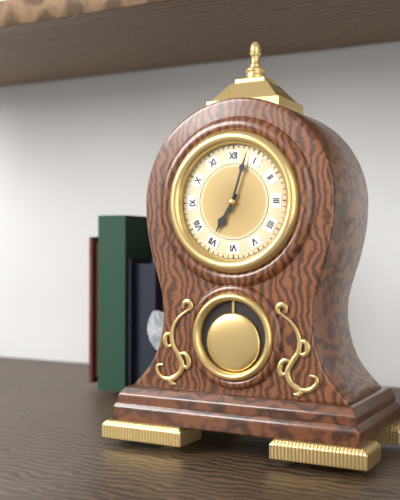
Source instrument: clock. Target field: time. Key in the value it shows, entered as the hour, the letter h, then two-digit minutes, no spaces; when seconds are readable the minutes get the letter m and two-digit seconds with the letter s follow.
7h03
